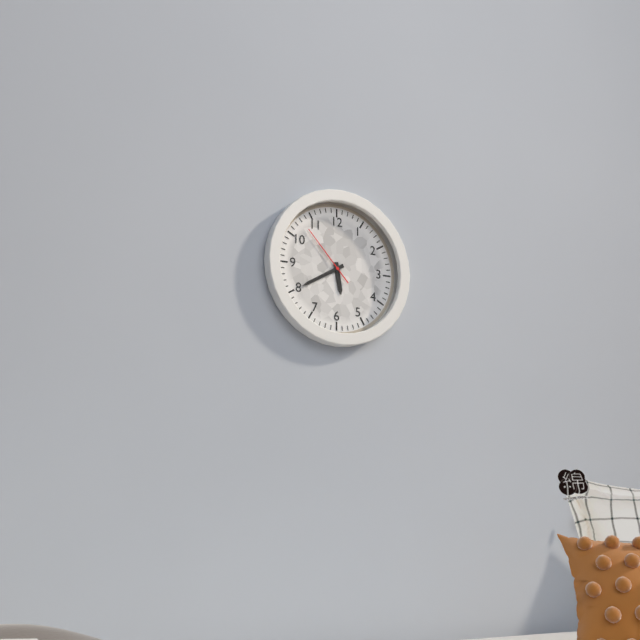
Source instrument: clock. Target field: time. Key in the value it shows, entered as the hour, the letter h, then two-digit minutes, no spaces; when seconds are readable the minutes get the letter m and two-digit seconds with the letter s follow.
5h40m53s
